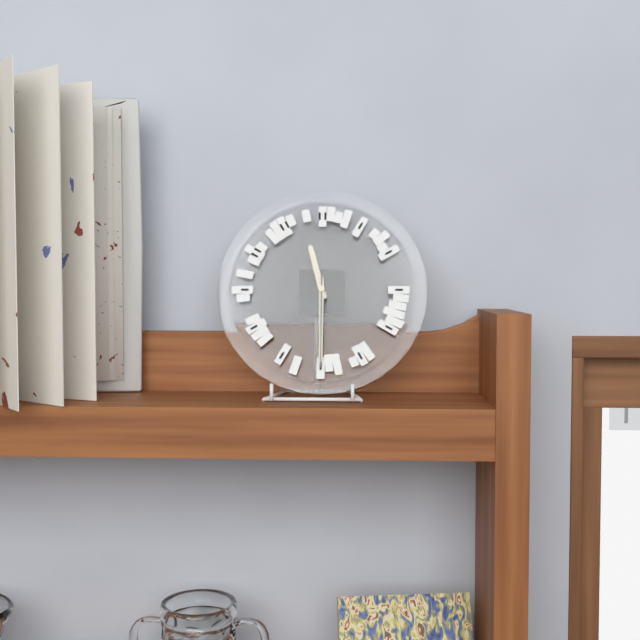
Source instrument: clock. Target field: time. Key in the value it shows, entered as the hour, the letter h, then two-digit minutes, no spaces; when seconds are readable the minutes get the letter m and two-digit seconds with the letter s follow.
11h30m30s
